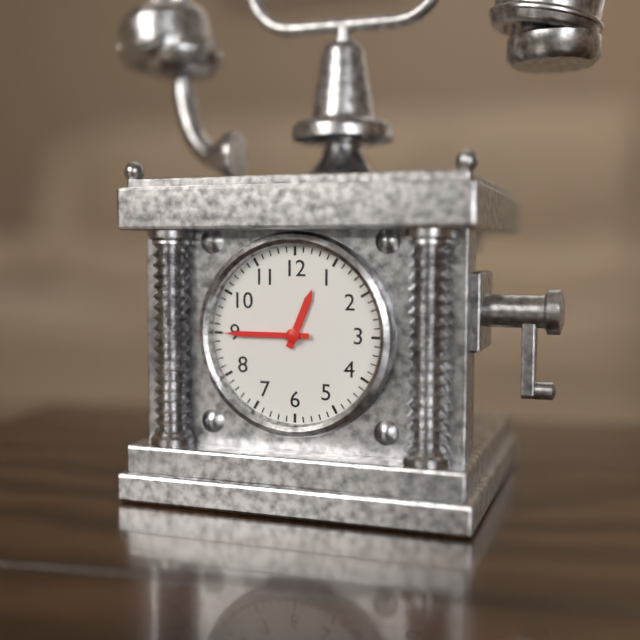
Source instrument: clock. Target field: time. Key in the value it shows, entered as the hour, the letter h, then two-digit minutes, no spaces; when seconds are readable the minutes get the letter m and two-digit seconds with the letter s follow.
12h45
